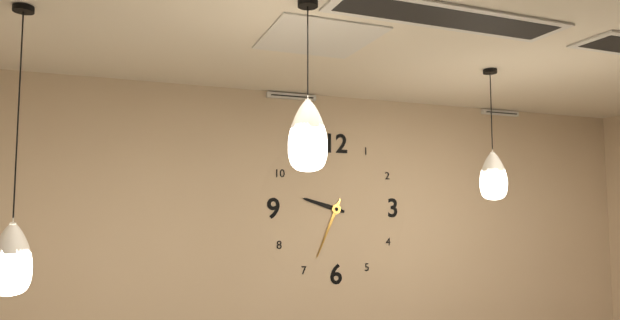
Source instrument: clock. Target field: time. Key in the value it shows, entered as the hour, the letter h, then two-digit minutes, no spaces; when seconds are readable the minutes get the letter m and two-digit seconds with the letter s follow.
9h34
